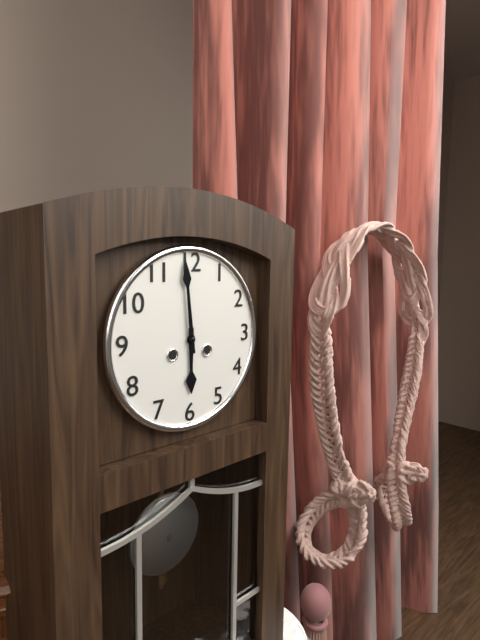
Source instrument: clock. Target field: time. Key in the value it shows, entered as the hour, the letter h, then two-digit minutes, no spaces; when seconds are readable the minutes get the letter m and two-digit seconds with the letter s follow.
5h59
